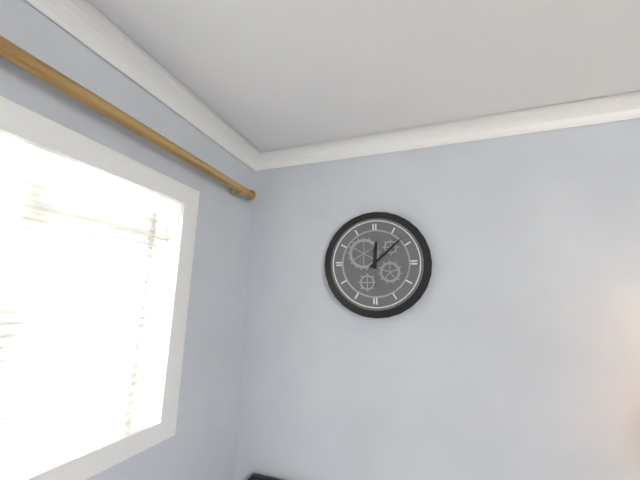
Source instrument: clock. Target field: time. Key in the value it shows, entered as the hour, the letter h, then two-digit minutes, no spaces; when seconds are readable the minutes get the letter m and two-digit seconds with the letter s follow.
12h08
